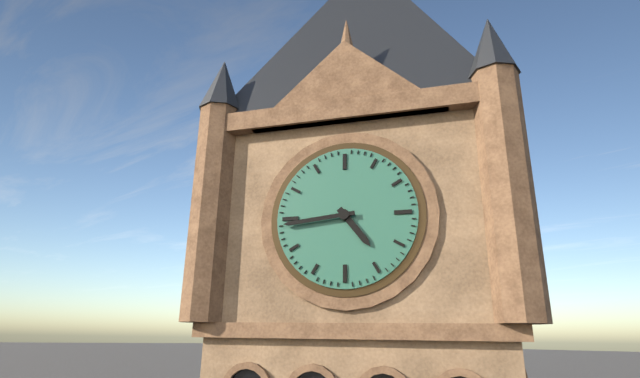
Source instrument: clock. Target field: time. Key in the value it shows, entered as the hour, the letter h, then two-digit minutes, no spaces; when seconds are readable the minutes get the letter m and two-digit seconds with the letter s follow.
4h44
